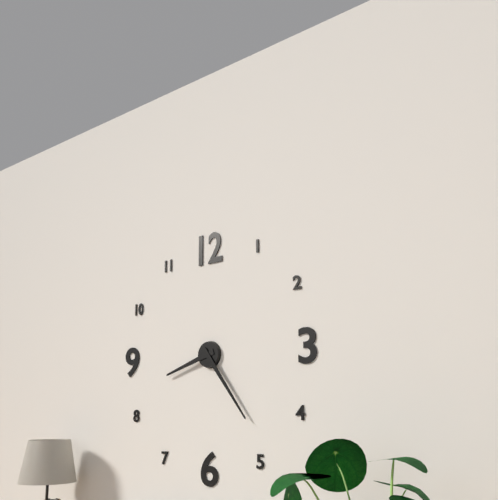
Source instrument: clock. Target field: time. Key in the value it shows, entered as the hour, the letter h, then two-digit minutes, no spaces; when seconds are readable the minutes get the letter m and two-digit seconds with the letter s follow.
8h24
